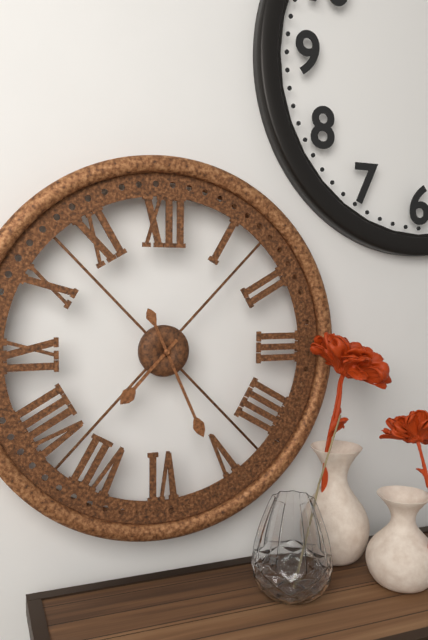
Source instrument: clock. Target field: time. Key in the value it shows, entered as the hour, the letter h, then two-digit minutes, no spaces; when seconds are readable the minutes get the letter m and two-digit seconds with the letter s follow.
7h26
